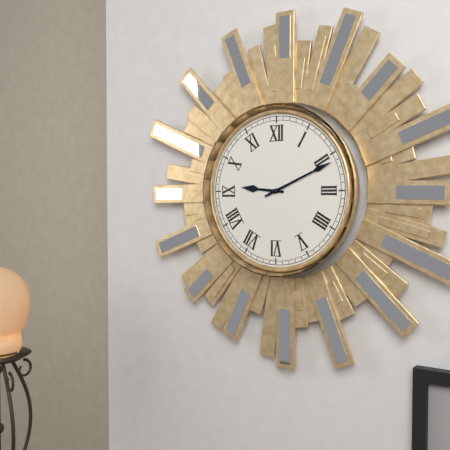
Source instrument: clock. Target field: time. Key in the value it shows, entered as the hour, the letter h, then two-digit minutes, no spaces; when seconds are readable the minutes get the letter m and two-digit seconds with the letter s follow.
9h11
